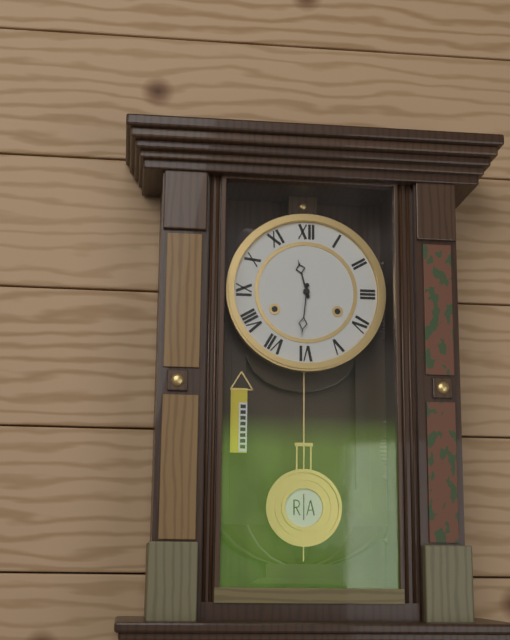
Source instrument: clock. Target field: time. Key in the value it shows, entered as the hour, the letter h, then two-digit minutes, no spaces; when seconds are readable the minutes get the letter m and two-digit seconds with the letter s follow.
11h31
